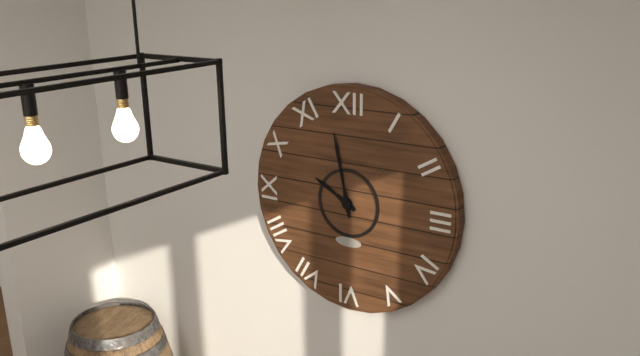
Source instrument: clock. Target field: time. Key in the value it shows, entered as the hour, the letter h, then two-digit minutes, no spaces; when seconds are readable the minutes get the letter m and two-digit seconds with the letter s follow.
9h58
